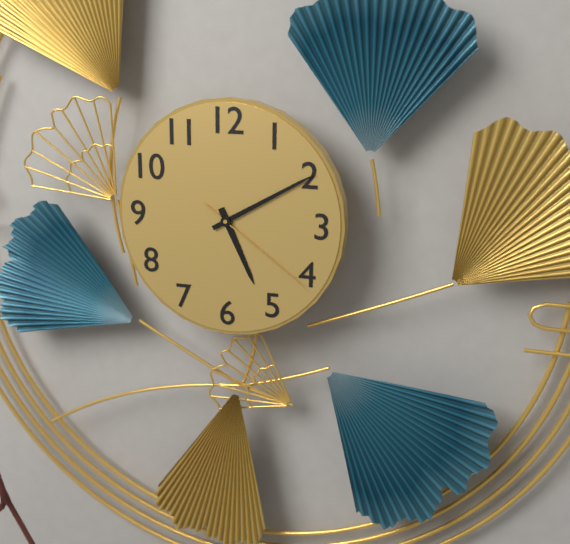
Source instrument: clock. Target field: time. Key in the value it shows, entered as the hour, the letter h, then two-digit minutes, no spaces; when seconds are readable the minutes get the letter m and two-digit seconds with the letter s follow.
5h10m21s
